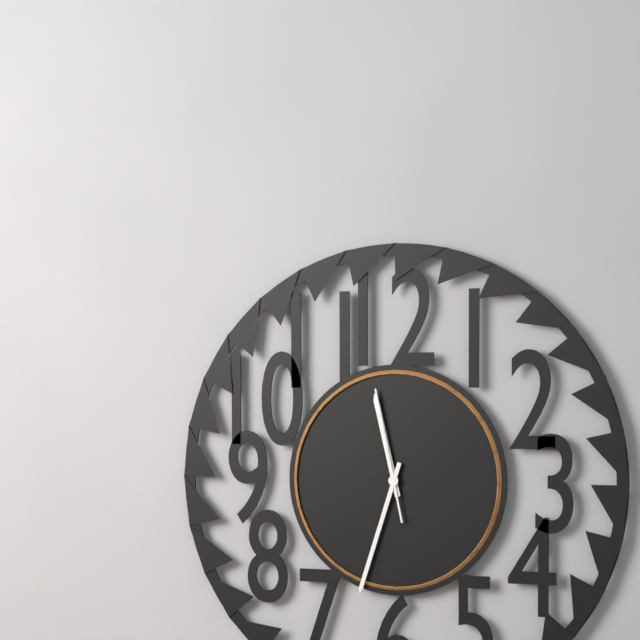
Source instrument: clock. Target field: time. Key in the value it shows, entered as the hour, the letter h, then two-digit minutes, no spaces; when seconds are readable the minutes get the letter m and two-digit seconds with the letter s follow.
11h33m58s
